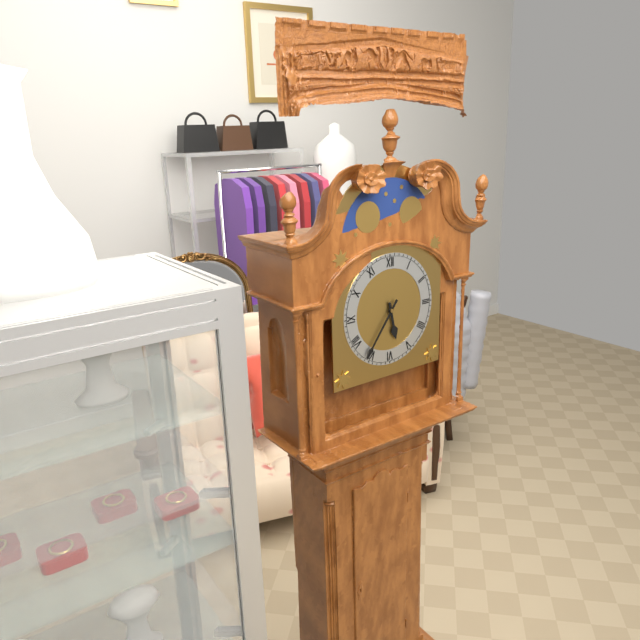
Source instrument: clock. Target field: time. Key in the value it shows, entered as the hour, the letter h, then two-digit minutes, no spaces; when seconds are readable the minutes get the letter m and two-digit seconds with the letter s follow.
5h36
